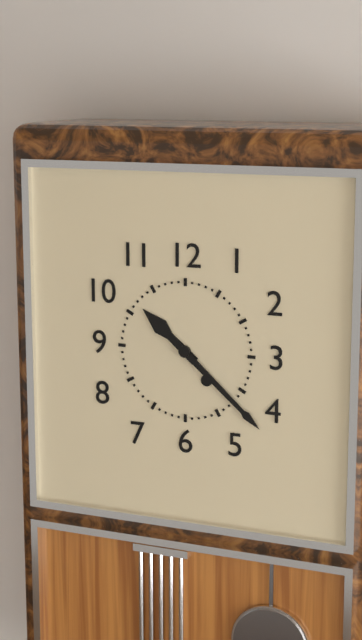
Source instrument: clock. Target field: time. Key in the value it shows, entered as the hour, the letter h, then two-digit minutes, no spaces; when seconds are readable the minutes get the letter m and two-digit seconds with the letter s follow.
10h22
